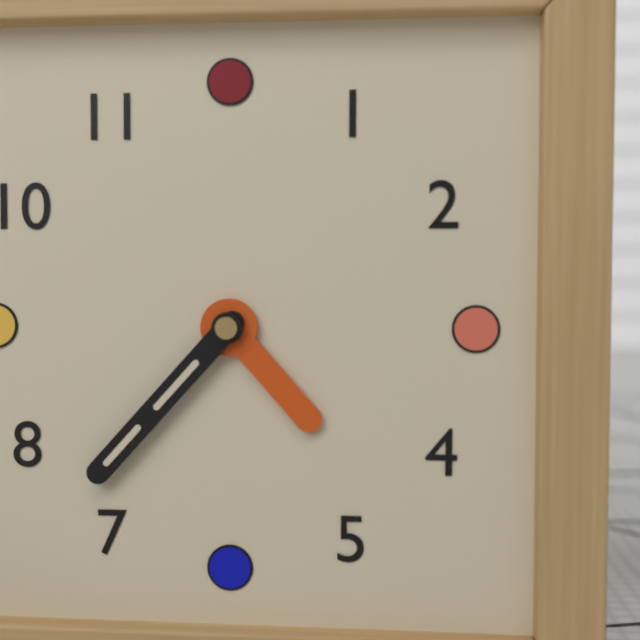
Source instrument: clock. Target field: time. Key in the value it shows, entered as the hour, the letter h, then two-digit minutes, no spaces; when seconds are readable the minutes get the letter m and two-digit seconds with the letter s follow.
4h37
